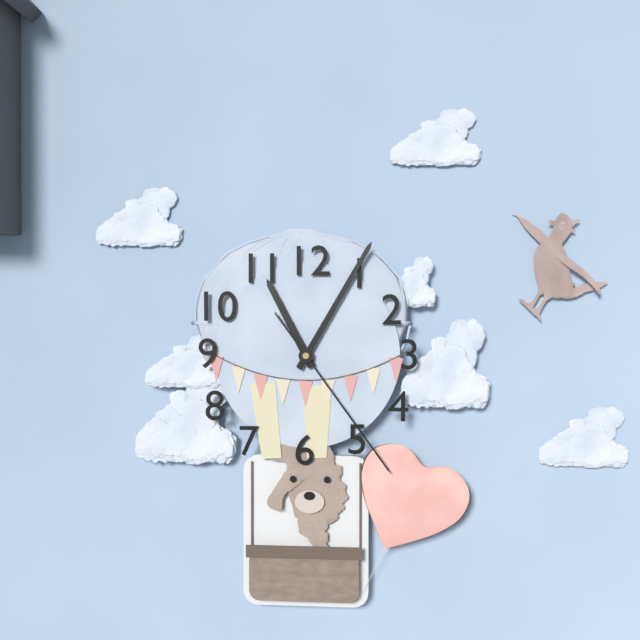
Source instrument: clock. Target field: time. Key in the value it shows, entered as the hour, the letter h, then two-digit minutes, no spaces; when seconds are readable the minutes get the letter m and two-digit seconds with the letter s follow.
11h05m24s
